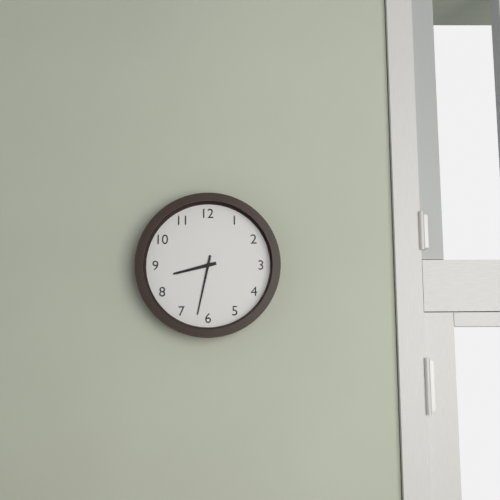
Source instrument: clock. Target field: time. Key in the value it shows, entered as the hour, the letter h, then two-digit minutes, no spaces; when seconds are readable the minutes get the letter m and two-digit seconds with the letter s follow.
8h32
